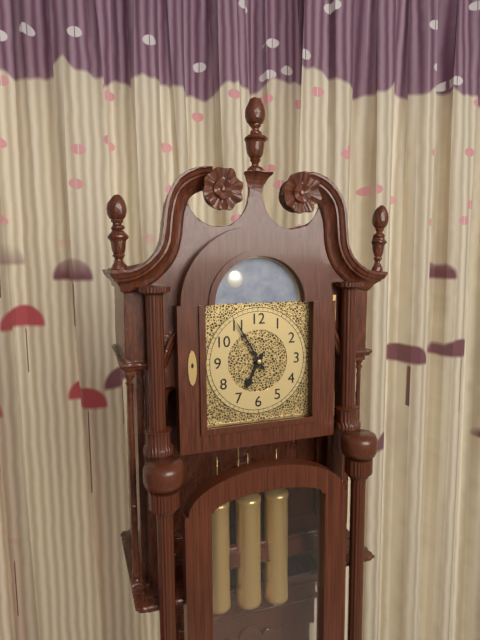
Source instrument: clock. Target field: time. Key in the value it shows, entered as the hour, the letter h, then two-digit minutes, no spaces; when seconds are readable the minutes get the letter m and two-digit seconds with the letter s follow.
6h55
